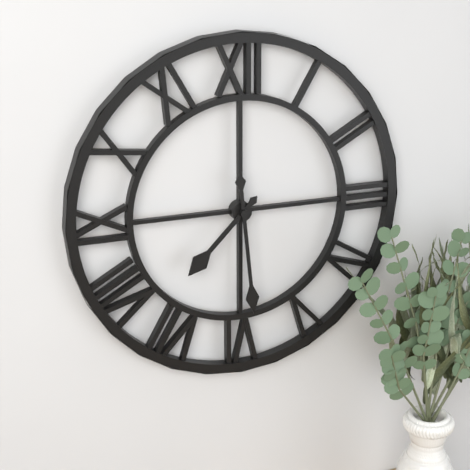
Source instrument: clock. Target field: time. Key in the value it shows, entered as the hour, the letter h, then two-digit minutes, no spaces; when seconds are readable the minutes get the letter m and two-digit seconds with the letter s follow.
7h29
